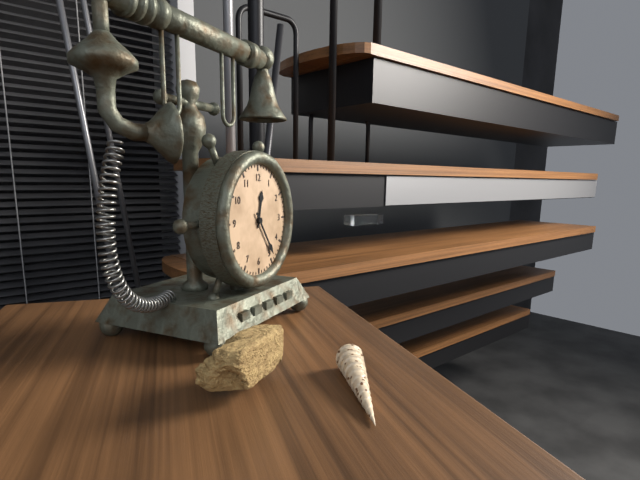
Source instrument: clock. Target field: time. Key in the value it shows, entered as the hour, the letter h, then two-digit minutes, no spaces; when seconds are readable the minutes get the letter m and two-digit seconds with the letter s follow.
12h24
